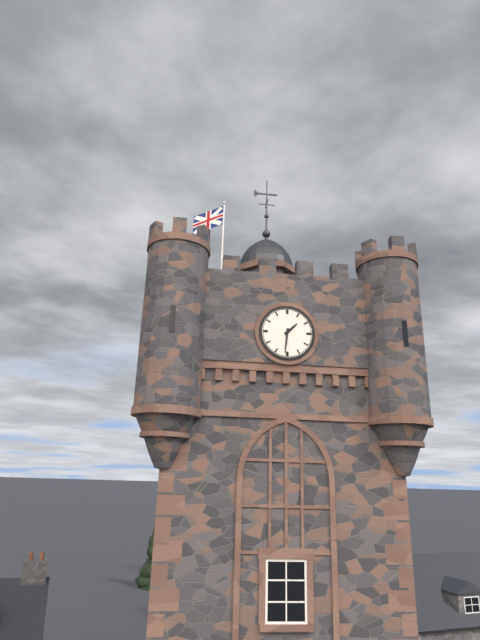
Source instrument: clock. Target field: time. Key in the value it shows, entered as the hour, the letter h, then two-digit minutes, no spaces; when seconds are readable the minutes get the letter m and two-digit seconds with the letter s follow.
1h31
